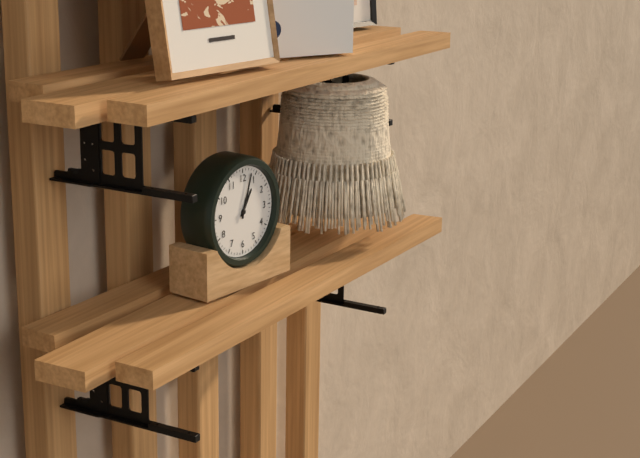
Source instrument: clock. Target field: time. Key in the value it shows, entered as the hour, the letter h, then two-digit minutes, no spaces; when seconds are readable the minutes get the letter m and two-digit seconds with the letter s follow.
1h03
